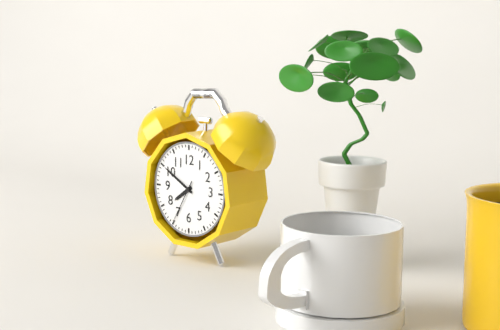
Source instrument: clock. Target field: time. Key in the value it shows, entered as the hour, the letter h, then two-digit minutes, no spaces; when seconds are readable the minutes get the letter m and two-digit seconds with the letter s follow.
7h50
